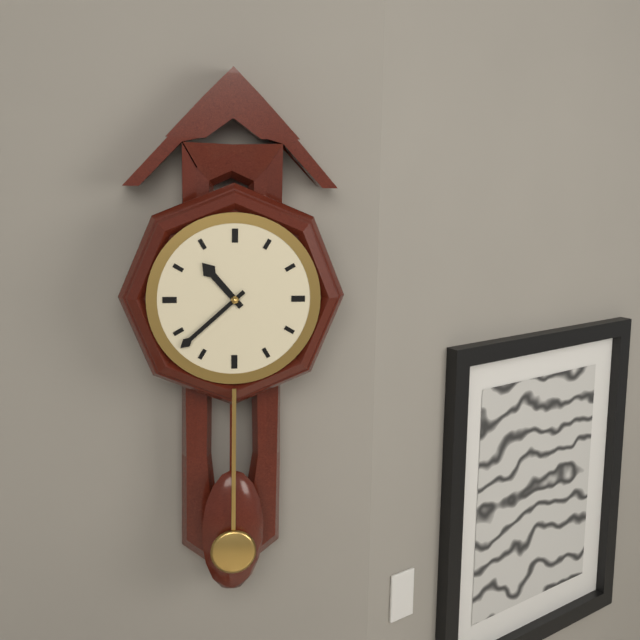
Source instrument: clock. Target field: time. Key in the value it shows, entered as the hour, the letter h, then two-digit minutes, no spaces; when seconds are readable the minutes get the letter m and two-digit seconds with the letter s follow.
10h38
